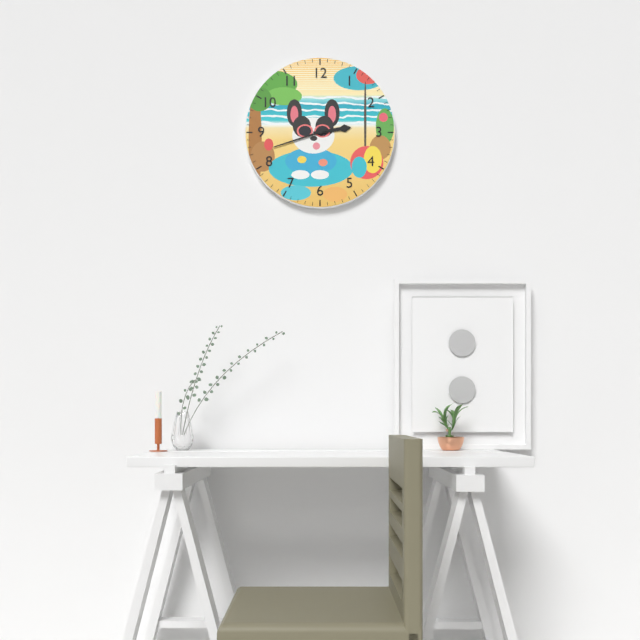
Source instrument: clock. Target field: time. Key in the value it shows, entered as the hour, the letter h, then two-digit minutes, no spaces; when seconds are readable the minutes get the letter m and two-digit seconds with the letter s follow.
2h42
